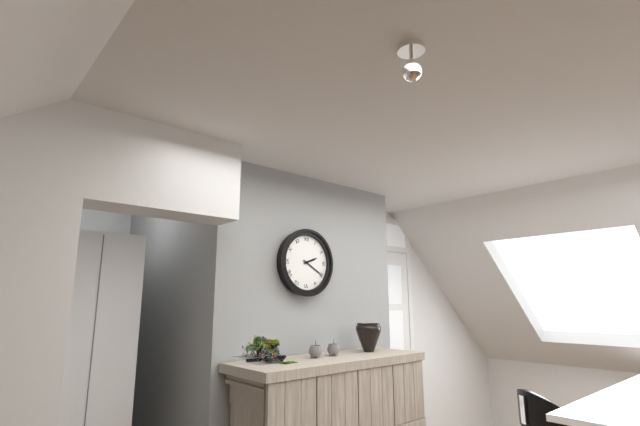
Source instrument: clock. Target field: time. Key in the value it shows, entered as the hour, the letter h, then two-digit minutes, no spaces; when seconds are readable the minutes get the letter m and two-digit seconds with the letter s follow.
2h20
